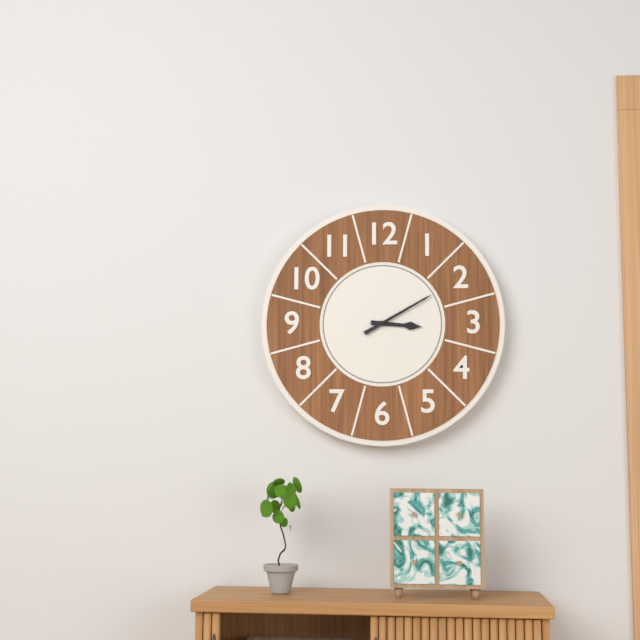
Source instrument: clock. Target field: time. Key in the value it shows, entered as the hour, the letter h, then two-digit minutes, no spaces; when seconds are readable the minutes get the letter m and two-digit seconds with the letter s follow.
3h10
